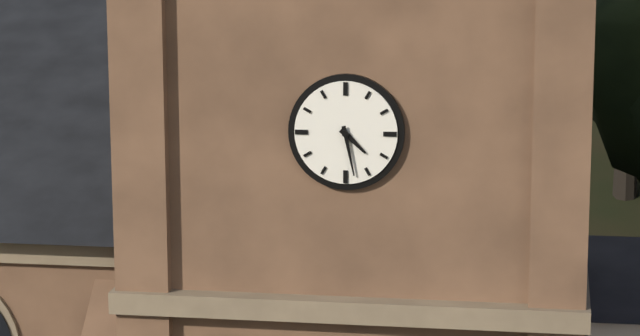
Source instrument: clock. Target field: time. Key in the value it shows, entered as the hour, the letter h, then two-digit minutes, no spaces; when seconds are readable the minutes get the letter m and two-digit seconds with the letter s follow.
4h28
